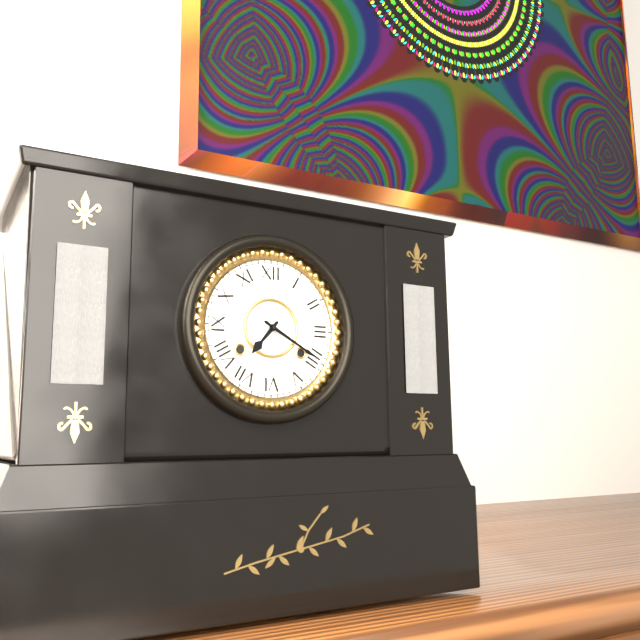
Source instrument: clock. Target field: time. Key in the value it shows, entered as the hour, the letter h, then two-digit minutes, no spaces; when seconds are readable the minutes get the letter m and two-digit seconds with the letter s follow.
7h20
